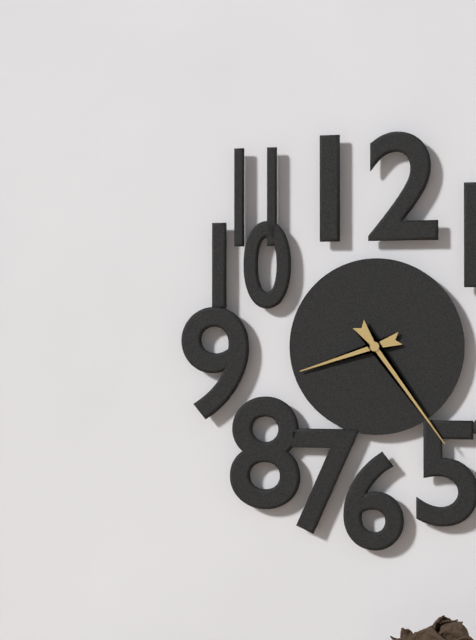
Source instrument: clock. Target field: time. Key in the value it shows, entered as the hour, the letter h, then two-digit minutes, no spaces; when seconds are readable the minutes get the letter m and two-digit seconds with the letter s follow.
8h24
